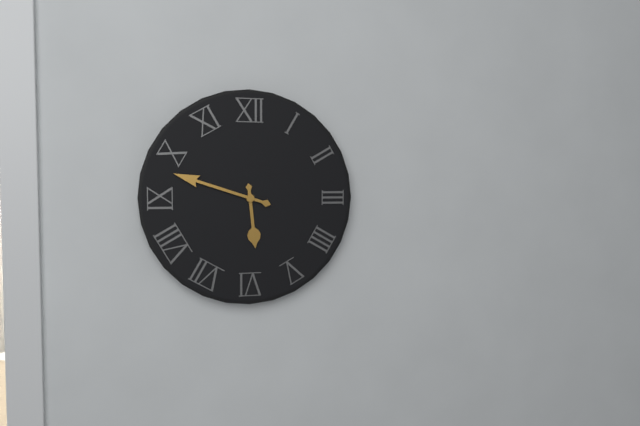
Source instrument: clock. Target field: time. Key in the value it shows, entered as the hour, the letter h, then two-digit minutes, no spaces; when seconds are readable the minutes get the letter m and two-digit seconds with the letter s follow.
5h48
